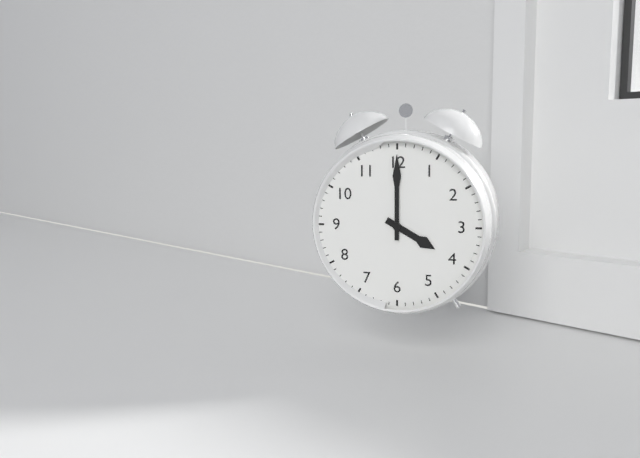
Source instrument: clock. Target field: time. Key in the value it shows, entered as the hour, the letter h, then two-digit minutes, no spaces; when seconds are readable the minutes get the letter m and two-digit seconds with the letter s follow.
4h00
